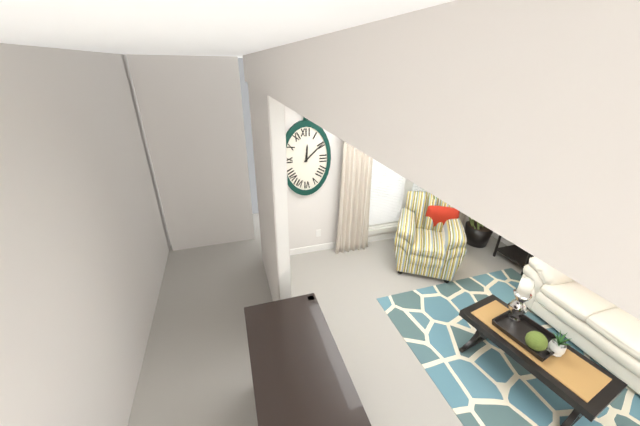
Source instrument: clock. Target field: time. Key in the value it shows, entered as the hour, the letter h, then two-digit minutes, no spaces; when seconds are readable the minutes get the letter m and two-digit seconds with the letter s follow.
12h08
